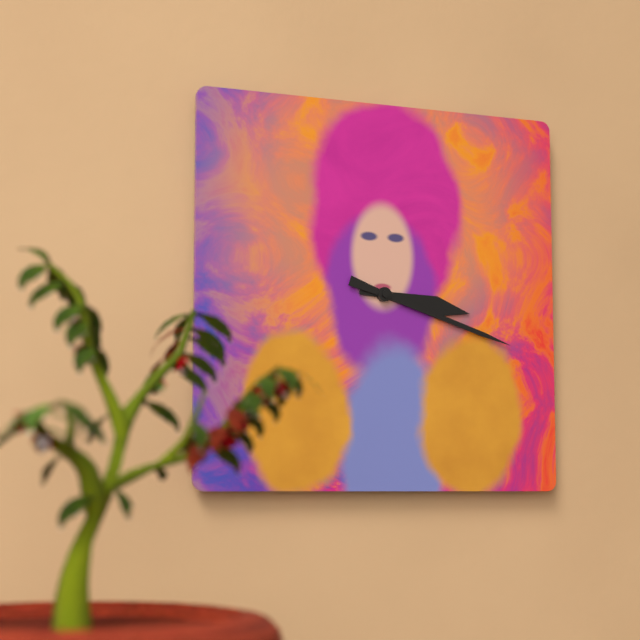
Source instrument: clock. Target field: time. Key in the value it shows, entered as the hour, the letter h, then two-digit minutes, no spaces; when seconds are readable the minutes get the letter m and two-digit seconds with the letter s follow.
3h18
